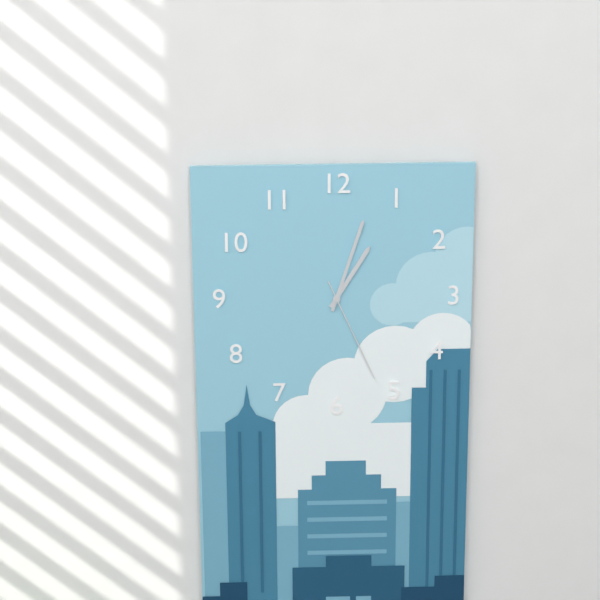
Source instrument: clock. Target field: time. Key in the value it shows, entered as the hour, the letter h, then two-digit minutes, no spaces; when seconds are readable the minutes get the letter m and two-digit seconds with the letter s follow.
1h03m26s
